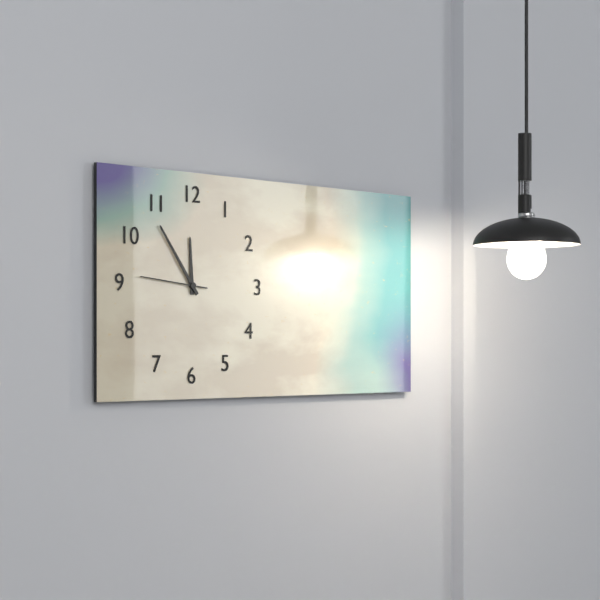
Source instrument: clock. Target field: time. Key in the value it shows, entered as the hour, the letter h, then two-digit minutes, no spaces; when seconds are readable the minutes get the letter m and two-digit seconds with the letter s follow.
11h54m46s
